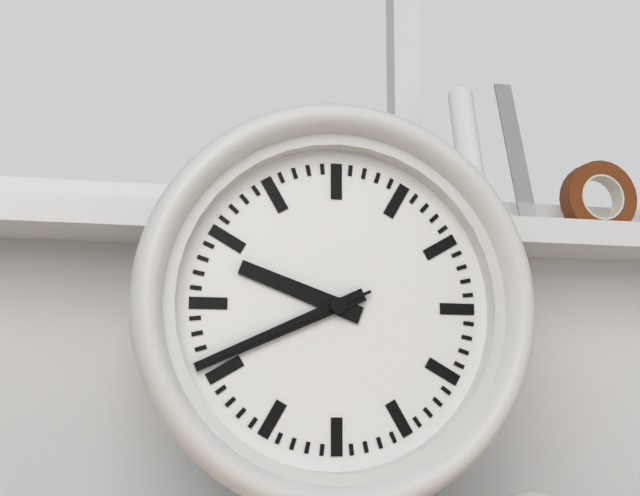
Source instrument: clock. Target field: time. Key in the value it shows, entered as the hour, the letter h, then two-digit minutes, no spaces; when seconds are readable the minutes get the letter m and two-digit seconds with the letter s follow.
9h41m41s
